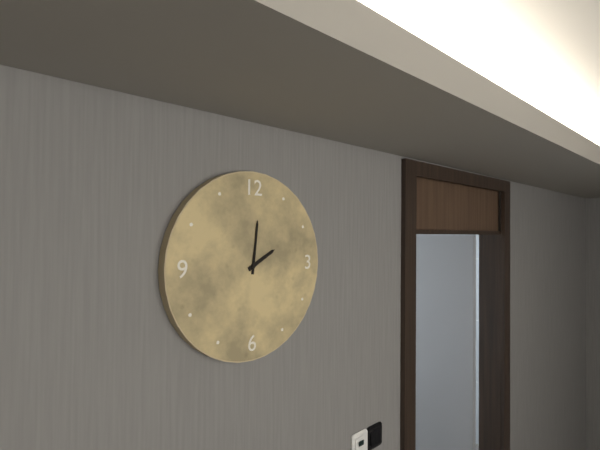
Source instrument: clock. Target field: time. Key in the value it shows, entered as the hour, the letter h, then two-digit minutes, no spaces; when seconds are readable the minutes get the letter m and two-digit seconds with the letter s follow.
2h01
